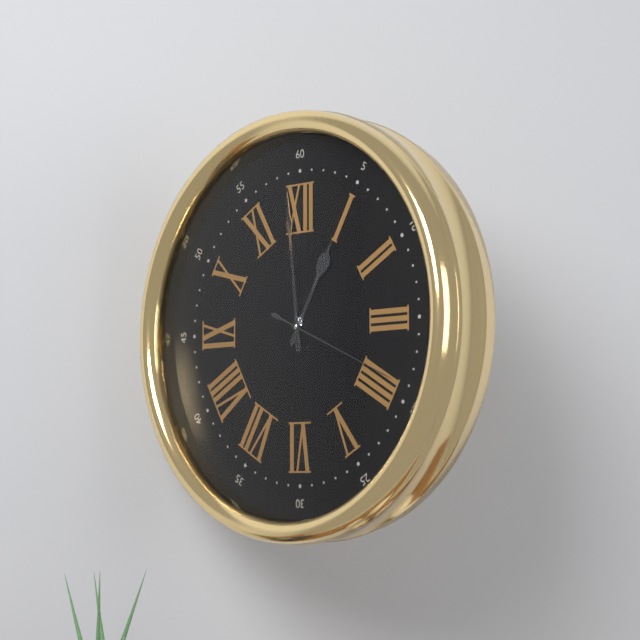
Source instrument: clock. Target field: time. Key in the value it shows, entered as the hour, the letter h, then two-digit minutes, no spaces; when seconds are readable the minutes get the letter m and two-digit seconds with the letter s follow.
12h59m19s
